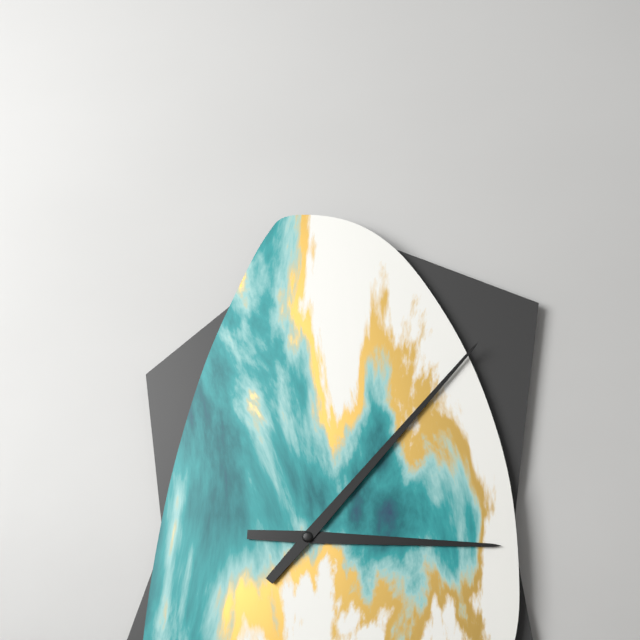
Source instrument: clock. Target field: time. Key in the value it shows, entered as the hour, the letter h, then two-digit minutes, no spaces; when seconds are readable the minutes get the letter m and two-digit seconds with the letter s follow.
3h07
